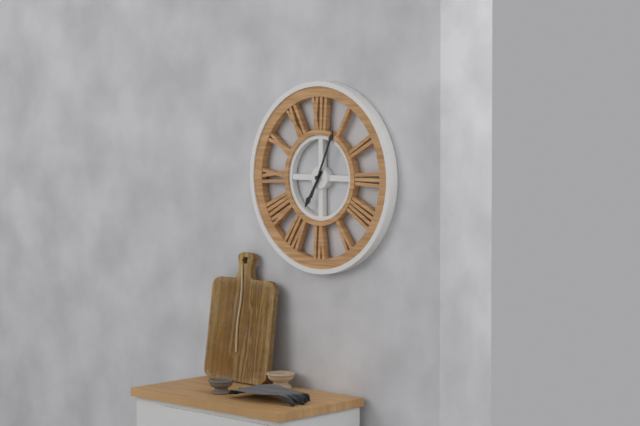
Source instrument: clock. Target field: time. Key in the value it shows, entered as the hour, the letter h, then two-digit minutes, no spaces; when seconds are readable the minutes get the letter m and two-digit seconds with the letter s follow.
7h04
